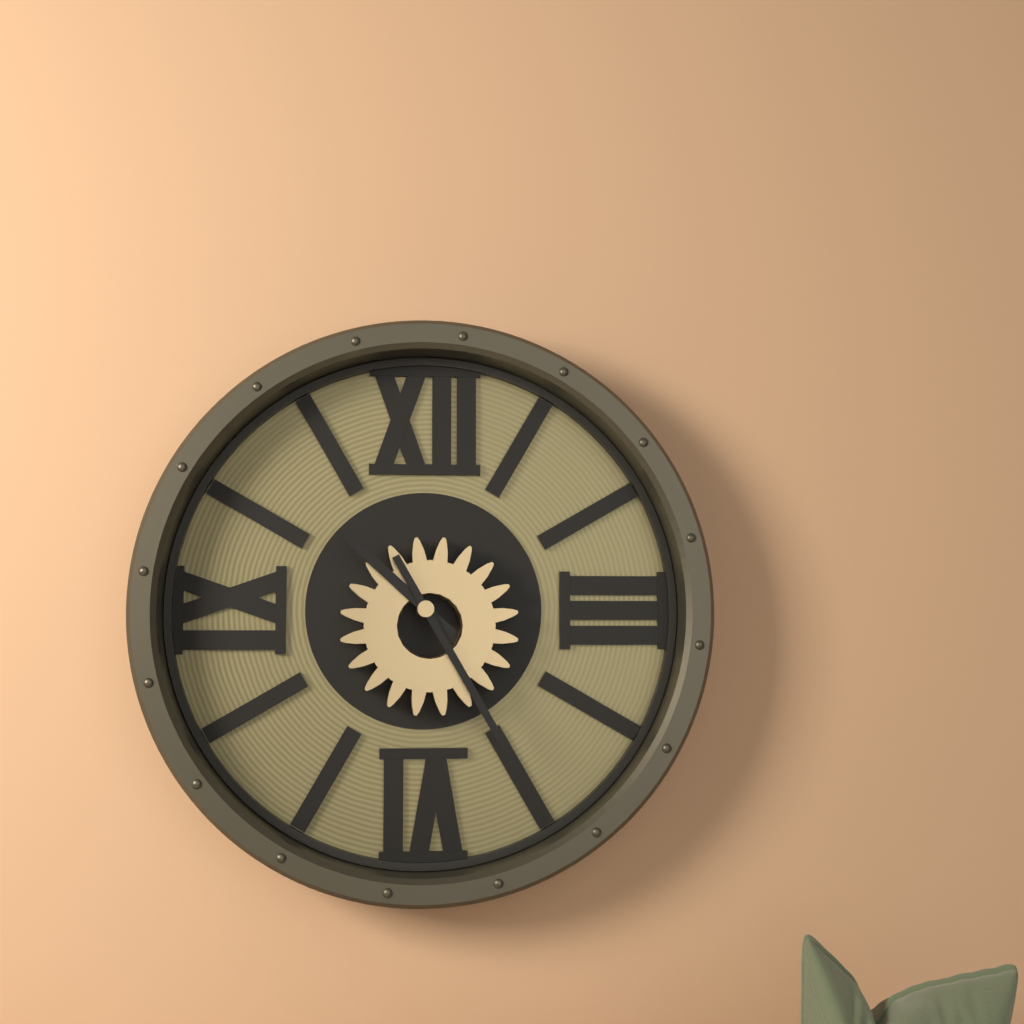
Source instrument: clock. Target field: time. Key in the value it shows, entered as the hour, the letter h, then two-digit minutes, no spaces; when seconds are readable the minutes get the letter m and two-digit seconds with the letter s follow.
10h25
